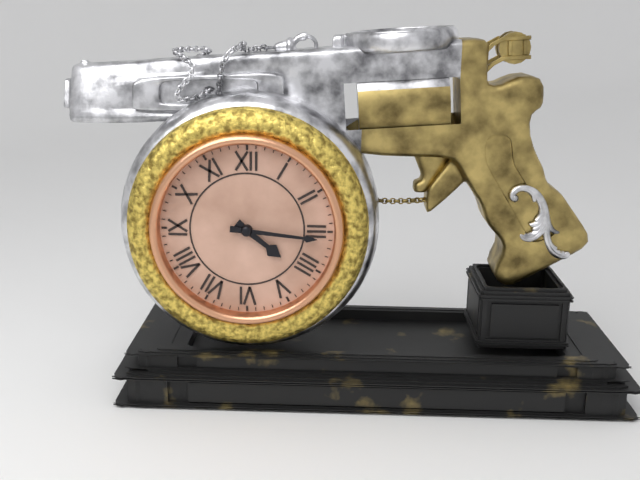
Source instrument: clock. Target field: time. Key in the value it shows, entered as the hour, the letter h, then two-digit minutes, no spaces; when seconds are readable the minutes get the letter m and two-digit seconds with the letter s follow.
4h16
